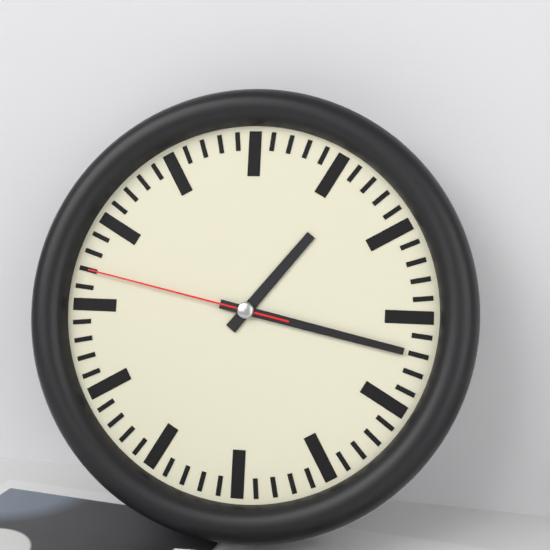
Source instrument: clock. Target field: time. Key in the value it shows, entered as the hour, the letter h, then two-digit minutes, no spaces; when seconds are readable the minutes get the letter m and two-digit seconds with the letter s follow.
1h17m47s
